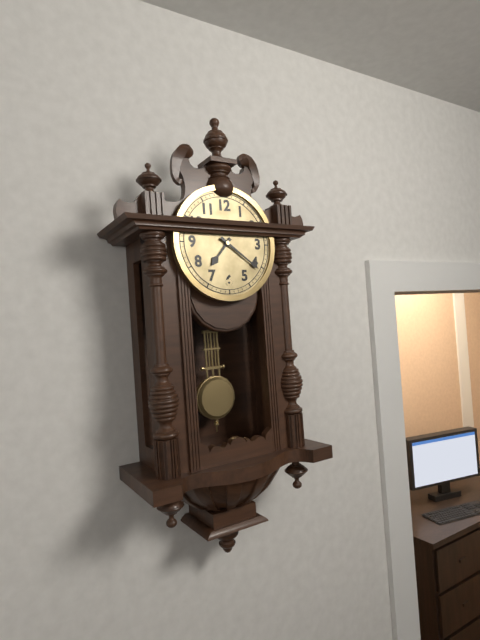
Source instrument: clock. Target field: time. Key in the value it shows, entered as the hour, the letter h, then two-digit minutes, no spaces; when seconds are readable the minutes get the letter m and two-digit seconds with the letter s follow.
7h21
